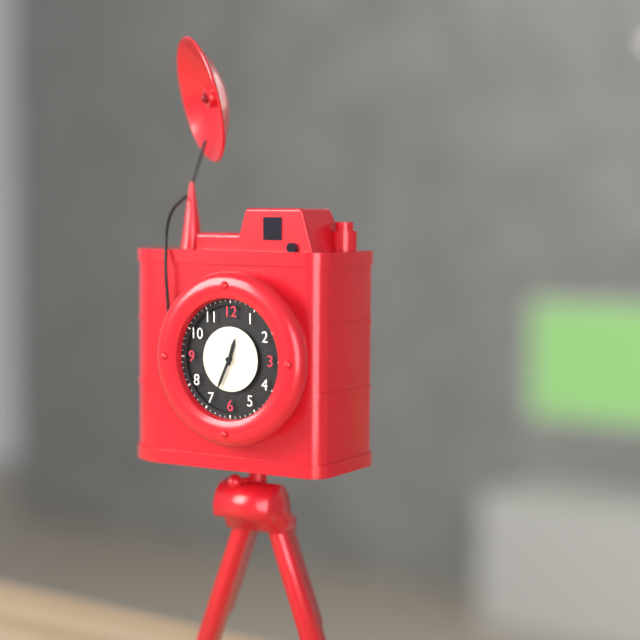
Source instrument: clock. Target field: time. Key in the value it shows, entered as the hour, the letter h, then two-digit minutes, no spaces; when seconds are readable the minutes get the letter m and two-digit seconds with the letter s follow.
12h34
